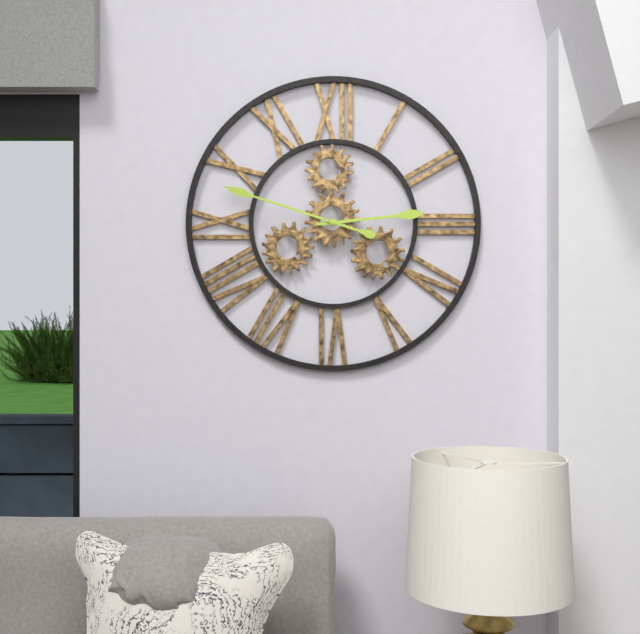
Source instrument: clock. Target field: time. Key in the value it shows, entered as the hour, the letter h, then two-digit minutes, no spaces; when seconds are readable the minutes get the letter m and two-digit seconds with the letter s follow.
2h48
